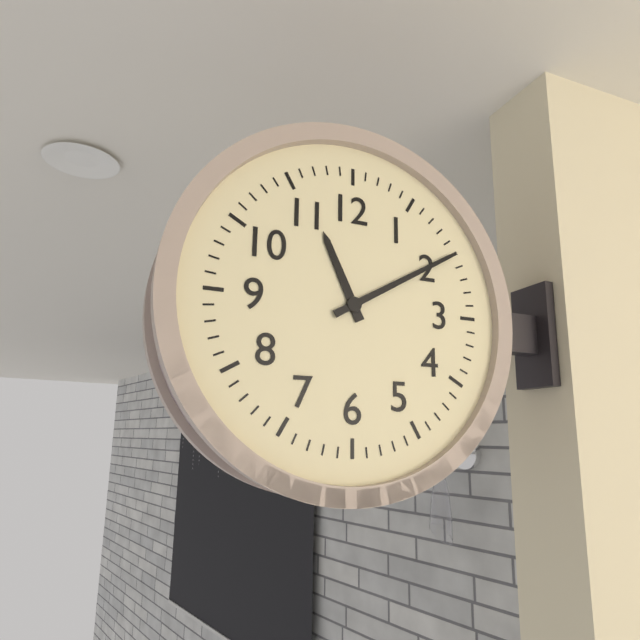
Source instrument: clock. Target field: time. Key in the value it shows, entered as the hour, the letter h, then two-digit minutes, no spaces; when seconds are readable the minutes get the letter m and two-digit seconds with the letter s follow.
11h10
